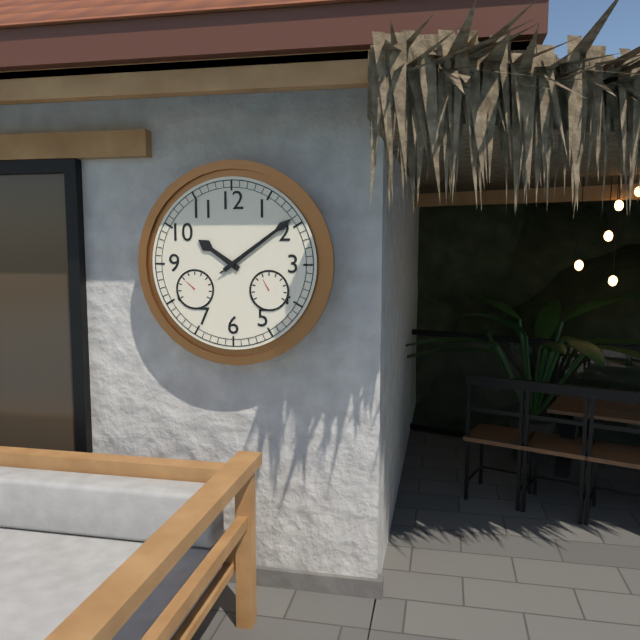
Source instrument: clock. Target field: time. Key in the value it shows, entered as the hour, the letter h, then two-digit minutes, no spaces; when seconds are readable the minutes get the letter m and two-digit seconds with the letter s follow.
10h09m09s
